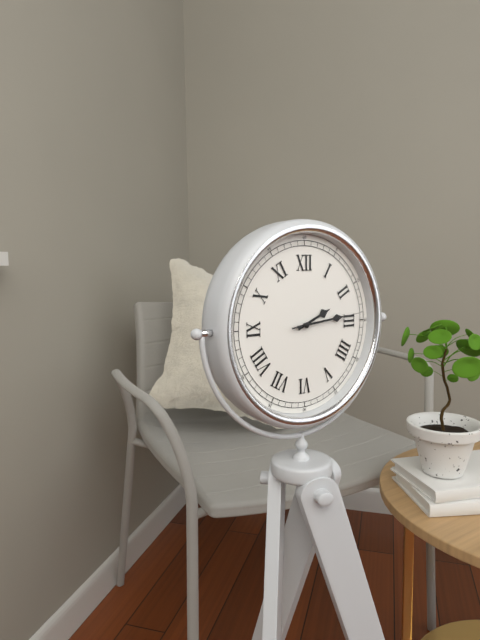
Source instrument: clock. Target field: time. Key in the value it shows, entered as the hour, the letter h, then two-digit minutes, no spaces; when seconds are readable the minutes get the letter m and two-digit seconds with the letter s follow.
2h14m14s
